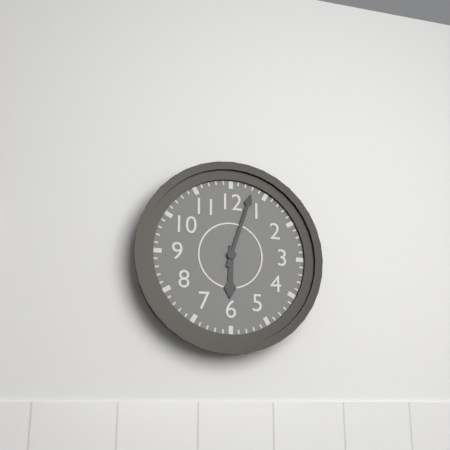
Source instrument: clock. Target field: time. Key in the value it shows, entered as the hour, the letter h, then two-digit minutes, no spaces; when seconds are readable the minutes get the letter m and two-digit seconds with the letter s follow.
6h03
